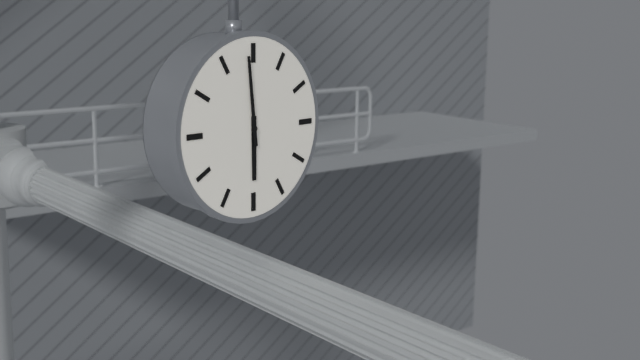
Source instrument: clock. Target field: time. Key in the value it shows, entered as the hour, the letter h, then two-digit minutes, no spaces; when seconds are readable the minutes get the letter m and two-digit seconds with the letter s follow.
5h59
